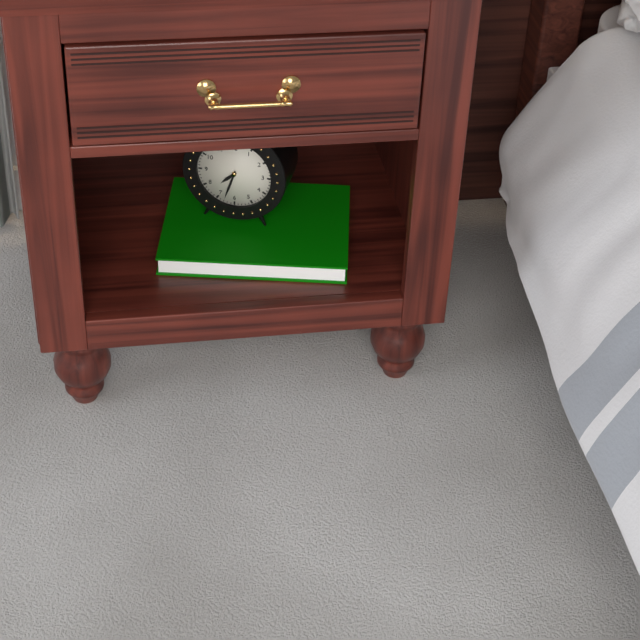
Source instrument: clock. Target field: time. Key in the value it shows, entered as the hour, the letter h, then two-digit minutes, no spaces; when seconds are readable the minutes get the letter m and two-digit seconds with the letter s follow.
7h33
